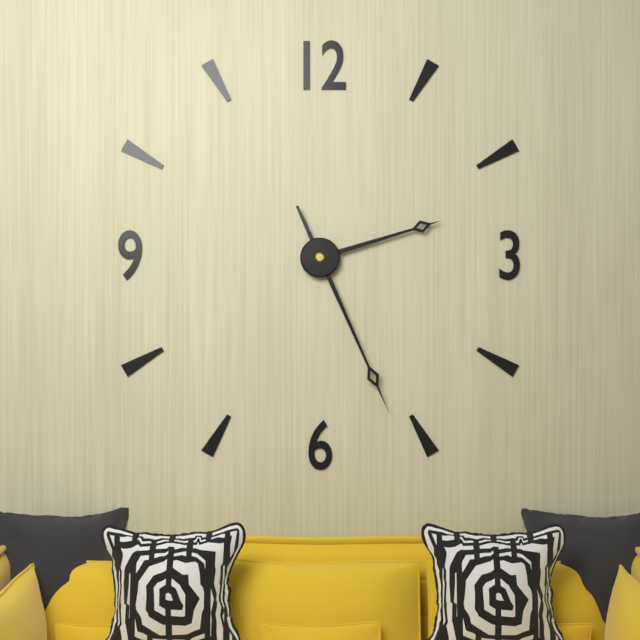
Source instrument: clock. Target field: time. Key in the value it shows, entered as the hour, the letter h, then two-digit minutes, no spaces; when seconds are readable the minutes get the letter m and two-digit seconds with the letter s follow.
2h26
